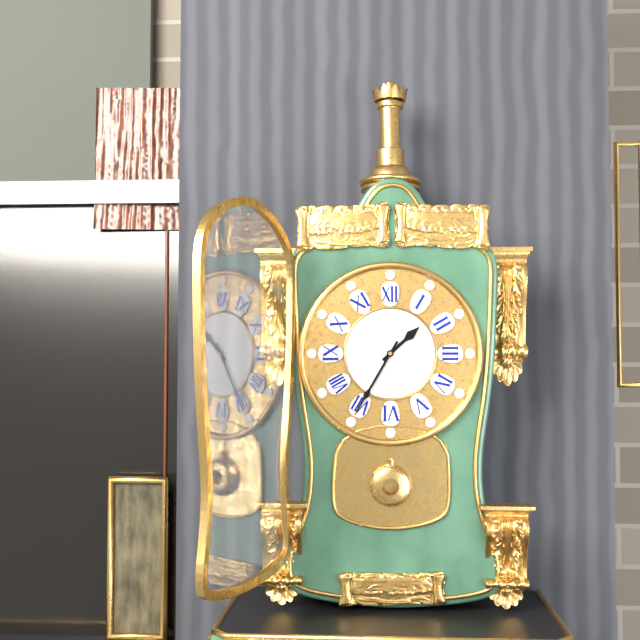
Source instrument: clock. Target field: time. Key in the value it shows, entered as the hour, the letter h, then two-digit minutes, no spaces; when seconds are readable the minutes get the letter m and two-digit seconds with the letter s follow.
1h35
